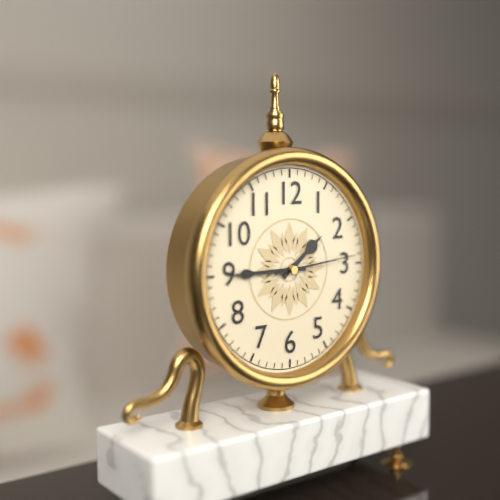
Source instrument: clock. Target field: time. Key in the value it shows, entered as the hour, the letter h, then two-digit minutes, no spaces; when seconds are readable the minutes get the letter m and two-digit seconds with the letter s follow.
1h45m14s
